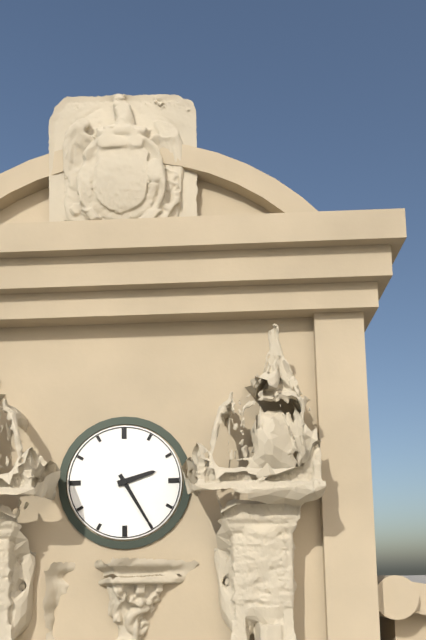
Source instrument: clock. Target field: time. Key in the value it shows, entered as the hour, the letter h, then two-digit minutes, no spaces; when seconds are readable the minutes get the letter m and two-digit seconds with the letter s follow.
2h25
